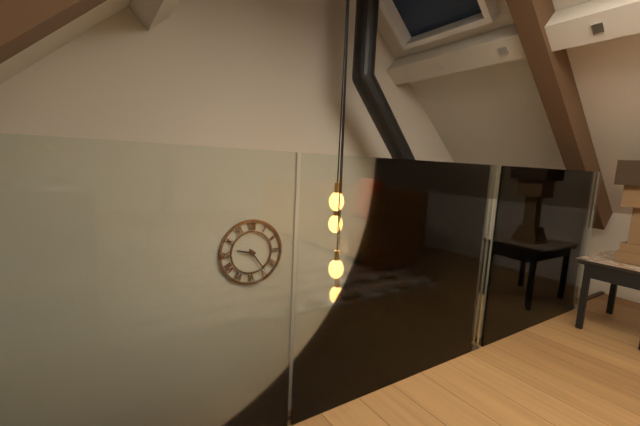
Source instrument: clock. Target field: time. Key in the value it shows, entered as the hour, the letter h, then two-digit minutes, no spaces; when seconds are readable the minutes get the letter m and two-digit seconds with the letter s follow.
9h24
